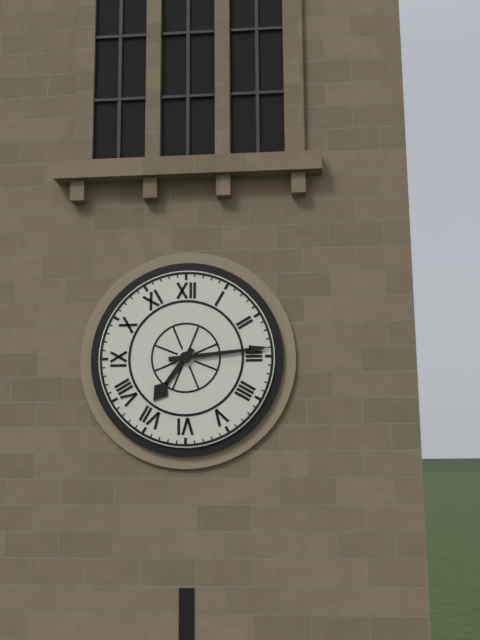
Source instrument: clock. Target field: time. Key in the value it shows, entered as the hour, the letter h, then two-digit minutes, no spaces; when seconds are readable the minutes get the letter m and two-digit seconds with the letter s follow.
7h14
